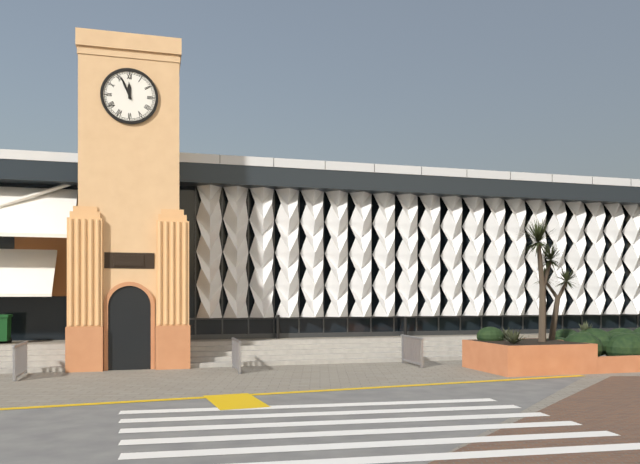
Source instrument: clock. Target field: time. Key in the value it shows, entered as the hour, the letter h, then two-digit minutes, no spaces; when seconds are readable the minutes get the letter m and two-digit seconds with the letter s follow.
11h56
